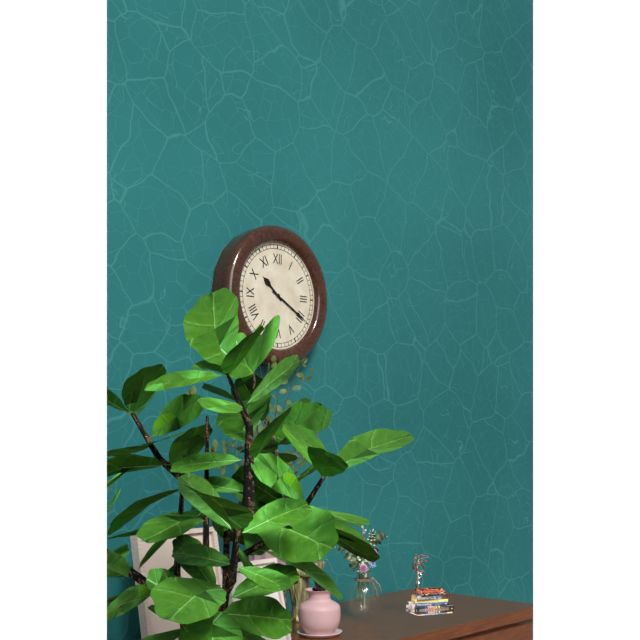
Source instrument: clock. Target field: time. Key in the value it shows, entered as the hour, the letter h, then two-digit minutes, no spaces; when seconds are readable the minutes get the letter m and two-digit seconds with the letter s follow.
10h20
